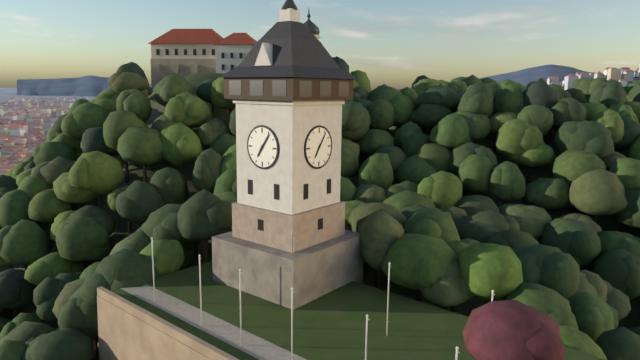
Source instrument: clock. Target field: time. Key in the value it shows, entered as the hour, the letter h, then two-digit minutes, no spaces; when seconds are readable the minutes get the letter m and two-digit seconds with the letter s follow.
7h06
